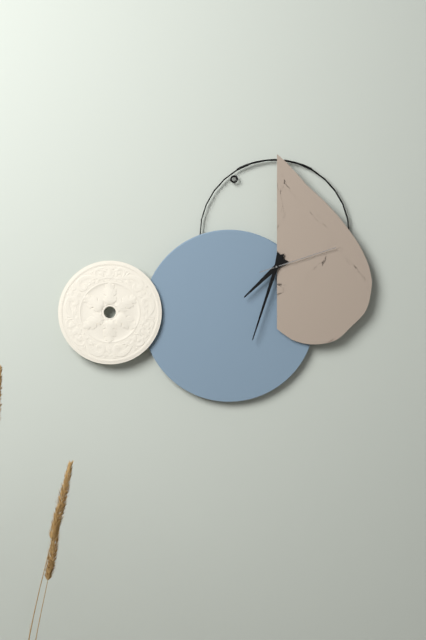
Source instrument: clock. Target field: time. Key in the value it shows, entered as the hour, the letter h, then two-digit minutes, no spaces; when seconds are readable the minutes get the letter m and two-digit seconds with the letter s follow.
7h33m12s
